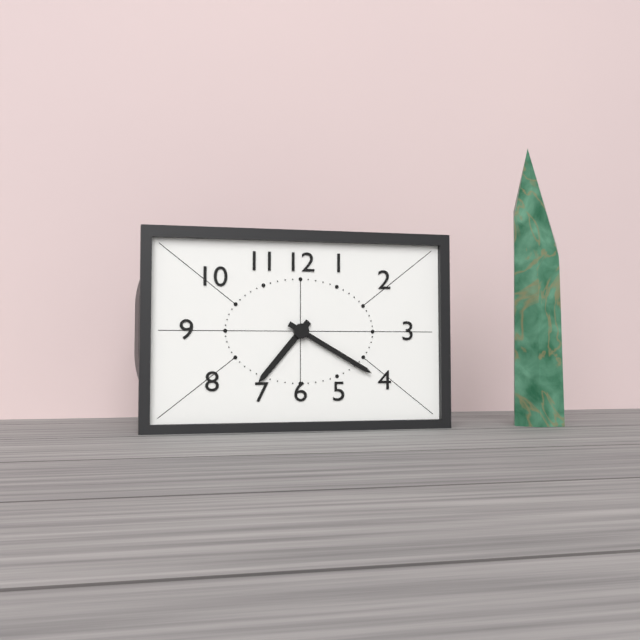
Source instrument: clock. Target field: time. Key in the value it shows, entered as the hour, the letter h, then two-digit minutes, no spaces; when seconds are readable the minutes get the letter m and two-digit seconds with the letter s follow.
7h20
